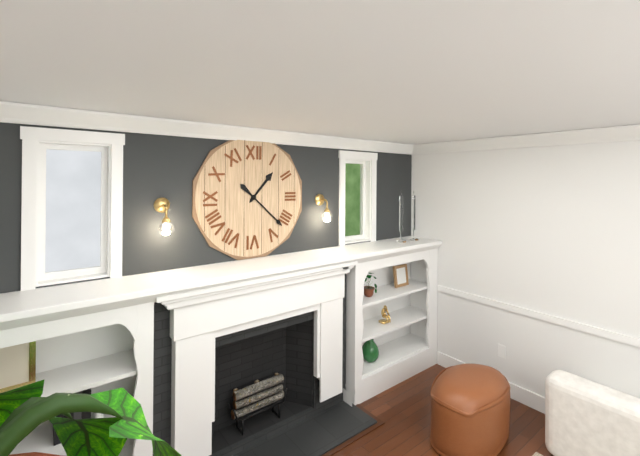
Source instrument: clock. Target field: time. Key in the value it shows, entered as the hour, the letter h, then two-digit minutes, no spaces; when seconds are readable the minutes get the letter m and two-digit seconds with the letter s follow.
1h22
